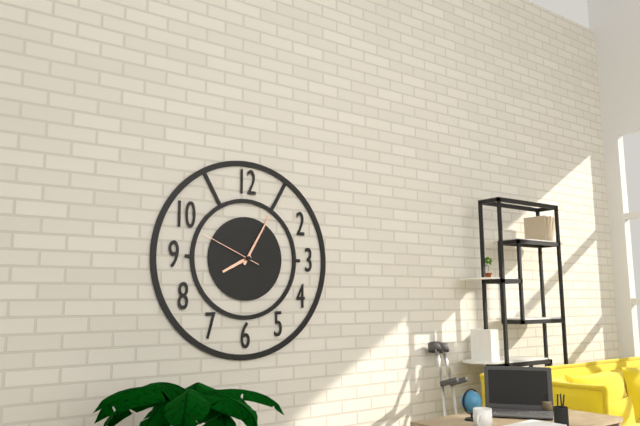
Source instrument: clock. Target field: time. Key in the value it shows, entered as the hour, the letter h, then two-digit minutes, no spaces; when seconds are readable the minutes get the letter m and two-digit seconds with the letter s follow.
8h05m49s
